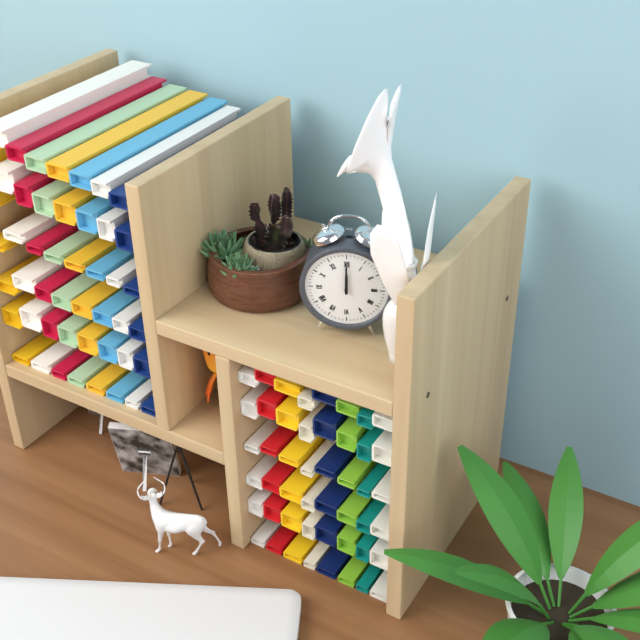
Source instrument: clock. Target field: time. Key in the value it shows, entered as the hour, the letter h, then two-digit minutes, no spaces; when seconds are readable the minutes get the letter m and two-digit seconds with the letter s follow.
12h00
